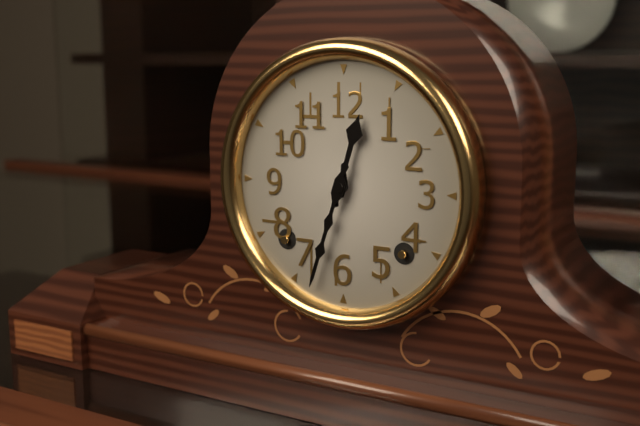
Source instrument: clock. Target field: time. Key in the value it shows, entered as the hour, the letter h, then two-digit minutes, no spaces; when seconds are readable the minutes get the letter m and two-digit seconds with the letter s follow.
12h33
